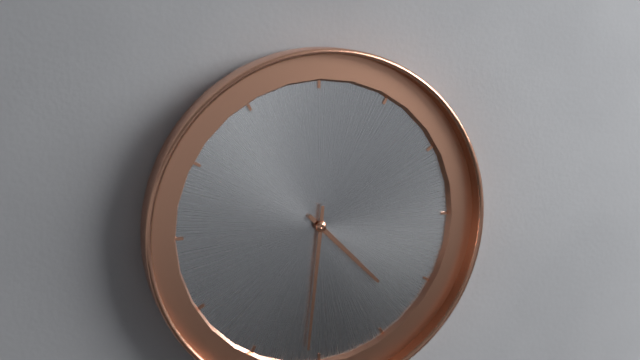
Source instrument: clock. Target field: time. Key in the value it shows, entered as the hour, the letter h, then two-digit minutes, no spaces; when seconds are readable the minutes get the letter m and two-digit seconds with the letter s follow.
4h31
